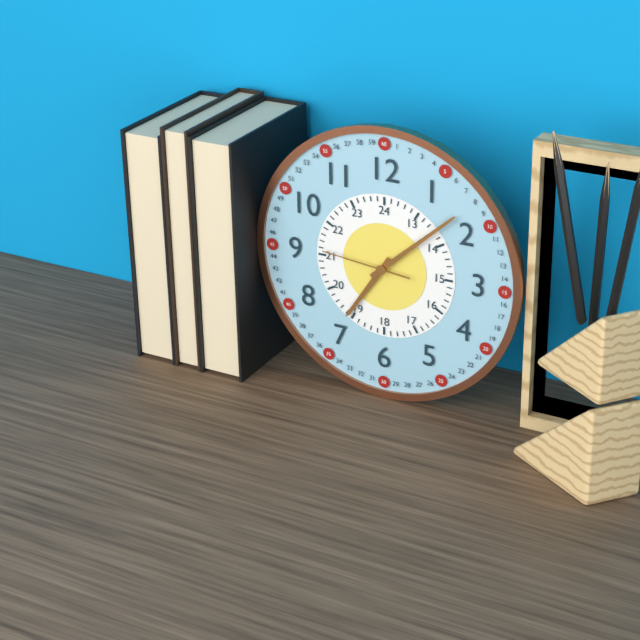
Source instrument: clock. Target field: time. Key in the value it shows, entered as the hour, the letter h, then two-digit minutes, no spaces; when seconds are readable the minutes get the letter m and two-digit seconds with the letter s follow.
7h08m46s
